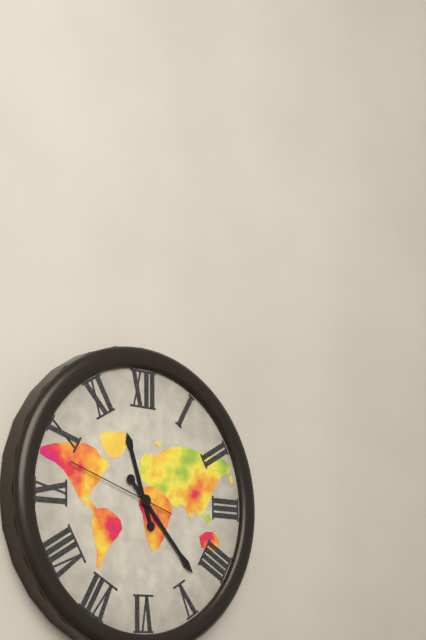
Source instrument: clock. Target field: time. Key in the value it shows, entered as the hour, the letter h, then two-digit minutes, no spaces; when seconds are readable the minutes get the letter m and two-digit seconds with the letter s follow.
11h23m48s
